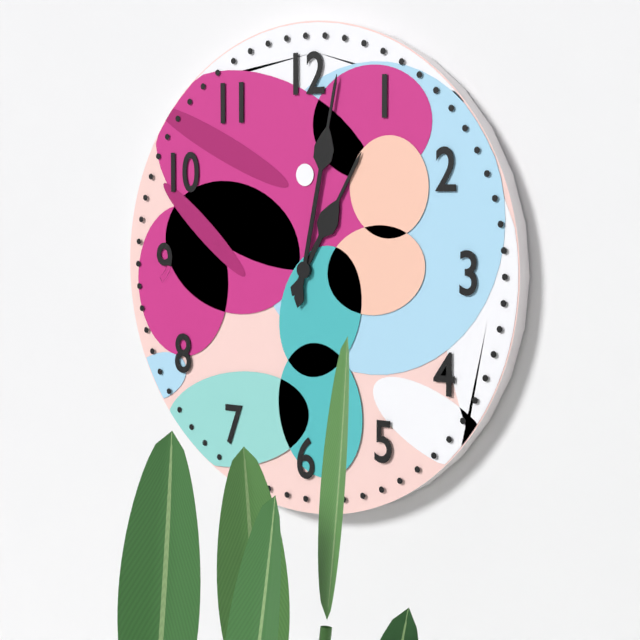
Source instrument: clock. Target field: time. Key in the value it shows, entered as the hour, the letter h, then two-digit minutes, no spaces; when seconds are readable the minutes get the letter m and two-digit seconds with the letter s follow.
1h02
